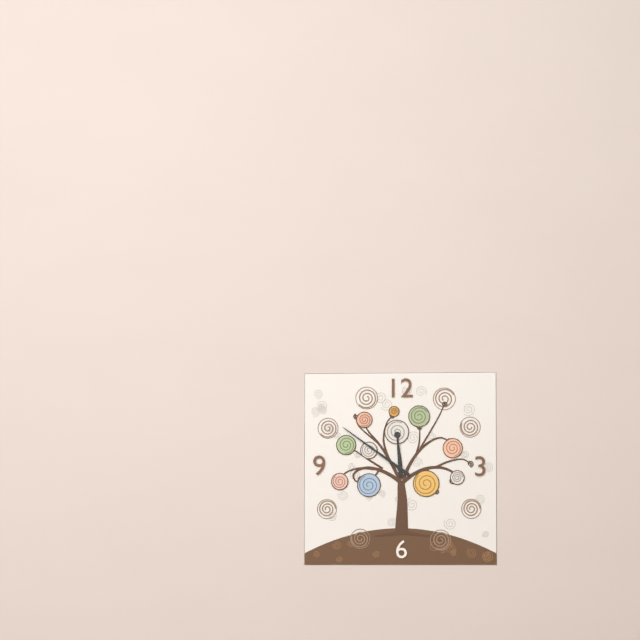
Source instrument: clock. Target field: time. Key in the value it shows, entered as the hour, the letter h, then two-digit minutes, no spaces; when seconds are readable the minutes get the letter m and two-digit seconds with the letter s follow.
11h51
